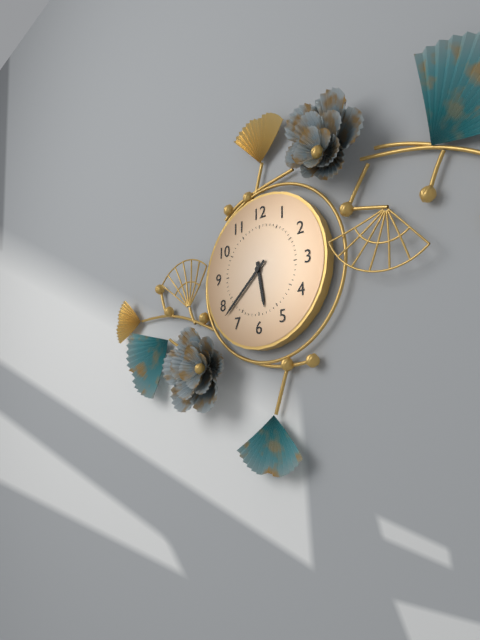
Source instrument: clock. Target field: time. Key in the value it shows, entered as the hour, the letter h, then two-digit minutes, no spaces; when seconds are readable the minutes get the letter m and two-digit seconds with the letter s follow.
5h38
